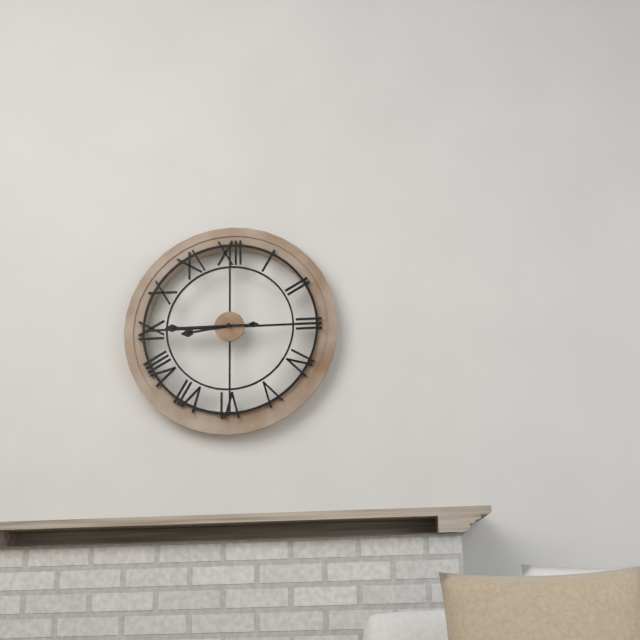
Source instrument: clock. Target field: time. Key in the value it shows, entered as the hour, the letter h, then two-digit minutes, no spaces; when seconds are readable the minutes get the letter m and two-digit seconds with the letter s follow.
8h45
